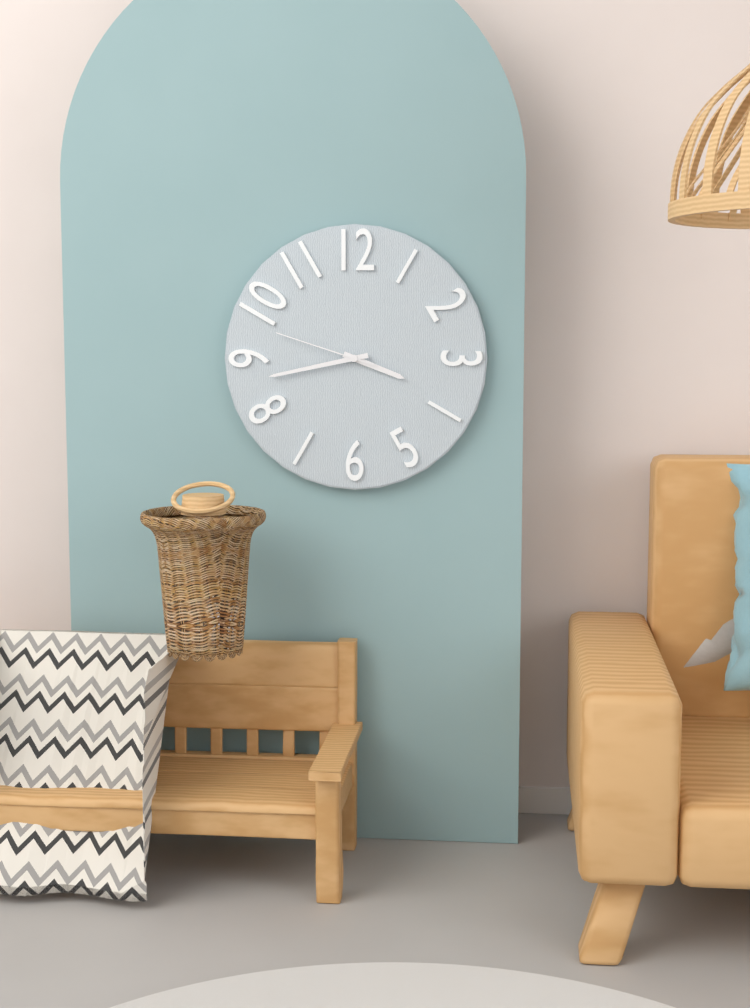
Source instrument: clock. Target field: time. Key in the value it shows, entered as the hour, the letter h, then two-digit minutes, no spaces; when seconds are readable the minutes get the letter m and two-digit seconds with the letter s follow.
3h43m48s
